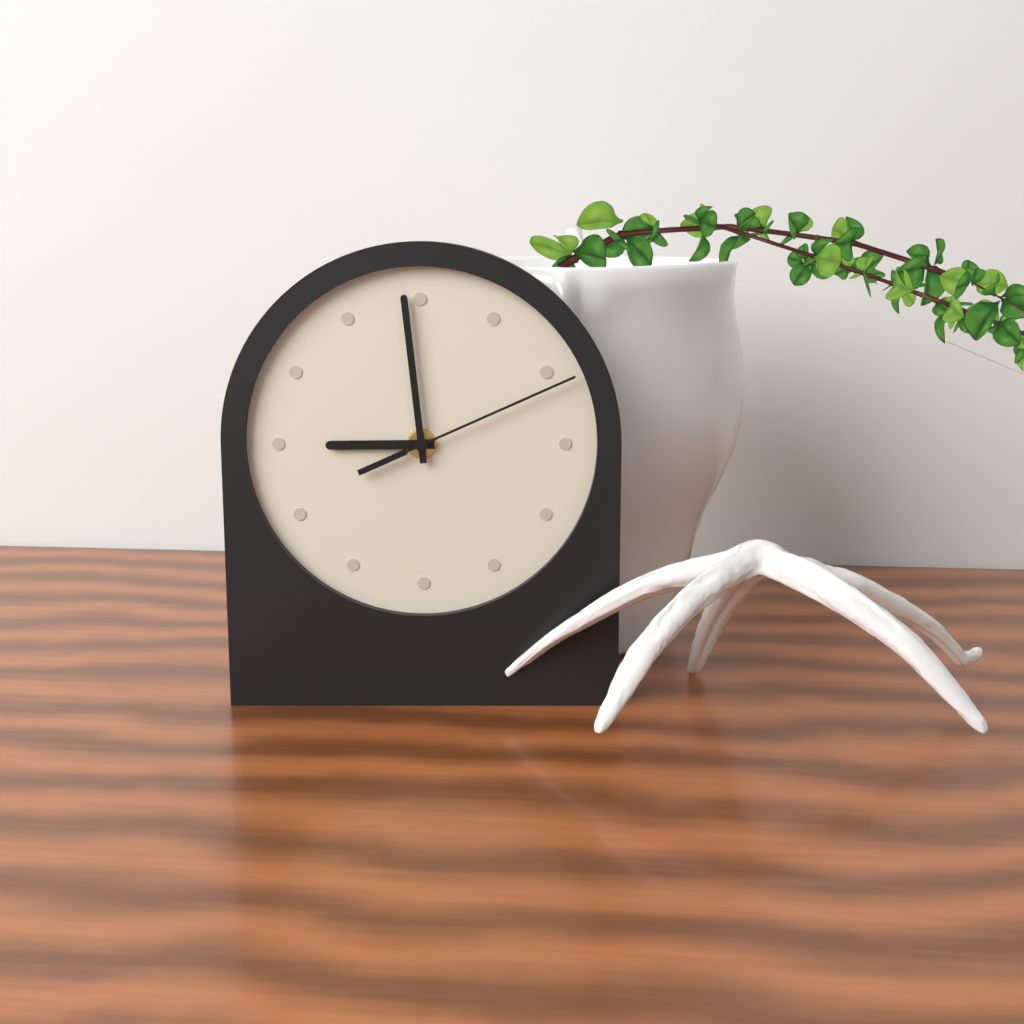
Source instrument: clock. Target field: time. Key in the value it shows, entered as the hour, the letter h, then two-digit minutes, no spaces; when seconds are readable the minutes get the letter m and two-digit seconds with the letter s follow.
8h59m11s
